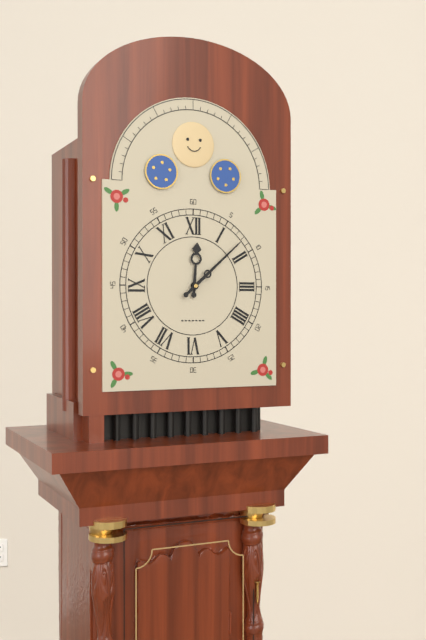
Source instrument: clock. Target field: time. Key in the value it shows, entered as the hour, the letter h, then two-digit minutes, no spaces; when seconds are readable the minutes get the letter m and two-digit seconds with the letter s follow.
12h08
